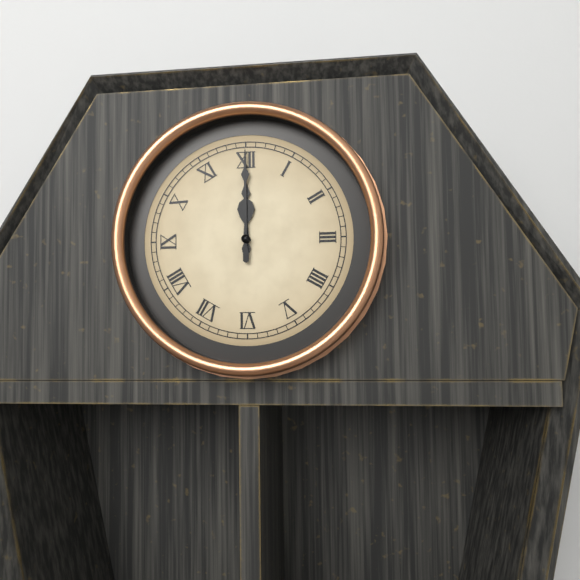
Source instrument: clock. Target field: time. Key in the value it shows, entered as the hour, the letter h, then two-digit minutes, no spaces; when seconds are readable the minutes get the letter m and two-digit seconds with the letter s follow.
12h00
